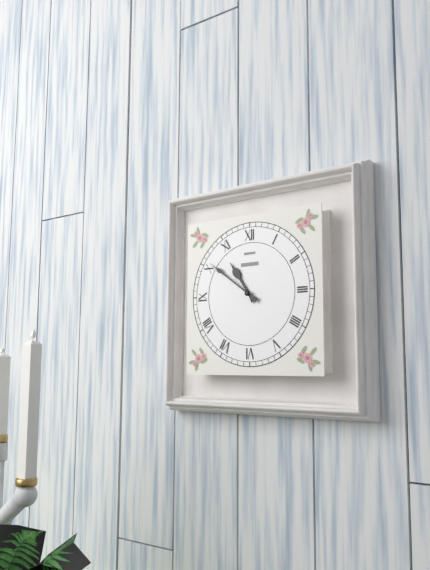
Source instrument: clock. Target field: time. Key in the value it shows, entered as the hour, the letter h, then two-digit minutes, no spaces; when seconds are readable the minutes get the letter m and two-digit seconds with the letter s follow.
10h51
